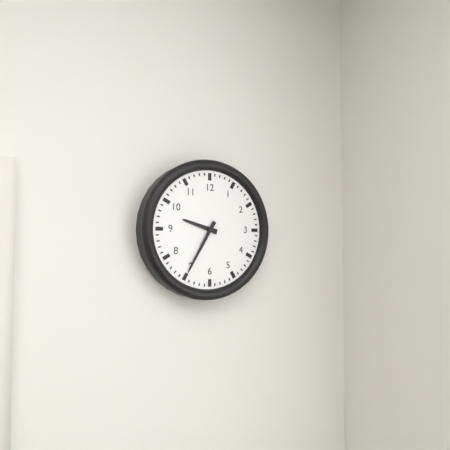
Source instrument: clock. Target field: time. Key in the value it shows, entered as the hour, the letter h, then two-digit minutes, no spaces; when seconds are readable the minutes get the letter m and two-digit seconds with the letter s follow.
9h35
